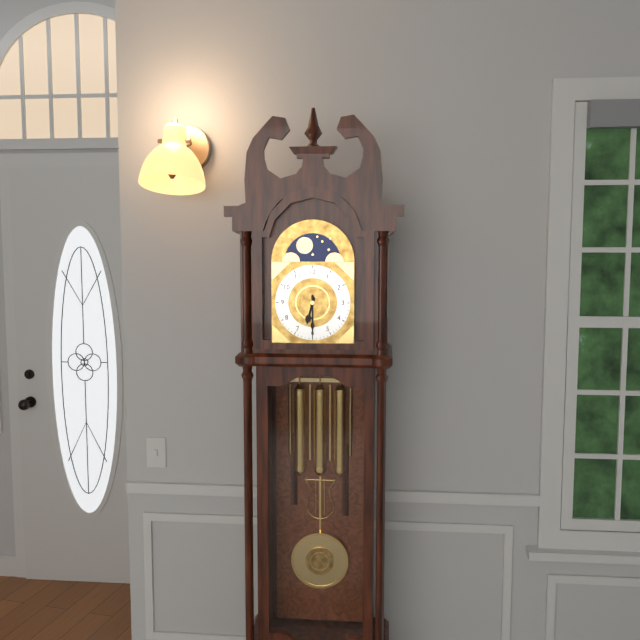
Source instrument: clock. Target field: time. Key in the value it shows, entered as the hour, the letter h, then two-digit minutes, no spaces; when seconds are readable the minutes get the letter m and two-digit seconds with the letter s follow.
6h30
